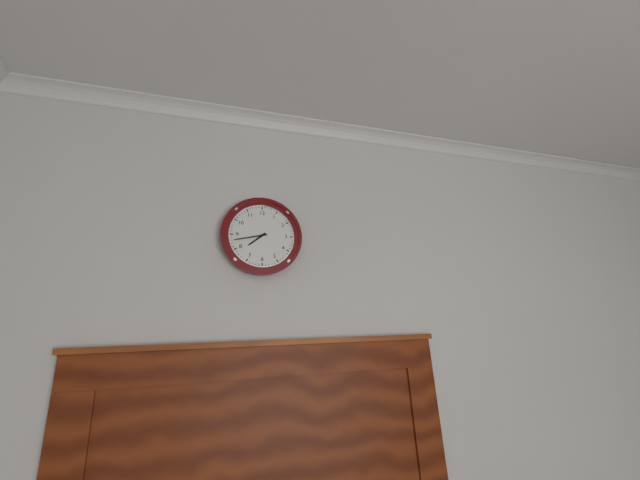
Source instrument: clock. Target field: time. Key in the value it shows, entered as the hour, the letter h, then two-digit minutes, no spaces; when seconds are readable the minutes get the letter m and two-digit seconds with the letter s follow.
7h43
